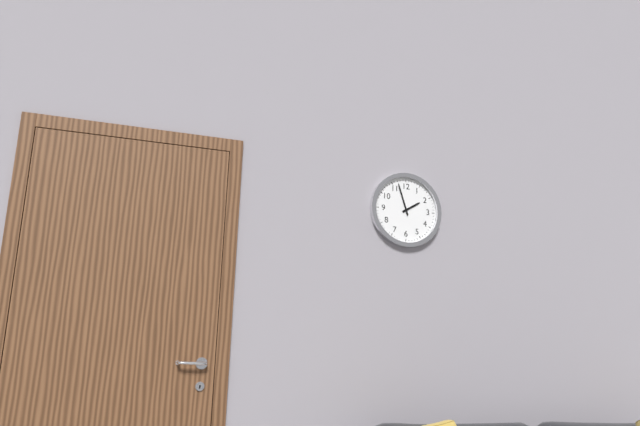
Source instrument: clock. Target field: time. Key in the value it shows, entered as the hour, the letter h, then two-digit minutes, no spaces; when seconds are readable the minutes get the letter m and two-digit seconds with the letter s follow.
1h57
